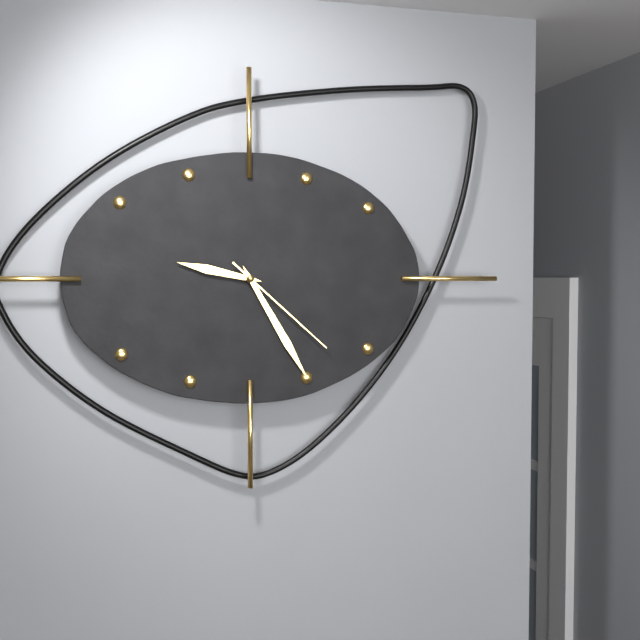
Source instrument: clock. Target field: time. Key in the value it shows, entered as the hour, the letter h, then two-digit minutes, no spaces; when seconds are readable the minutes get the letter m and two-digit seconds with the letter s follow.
9h25m22s
